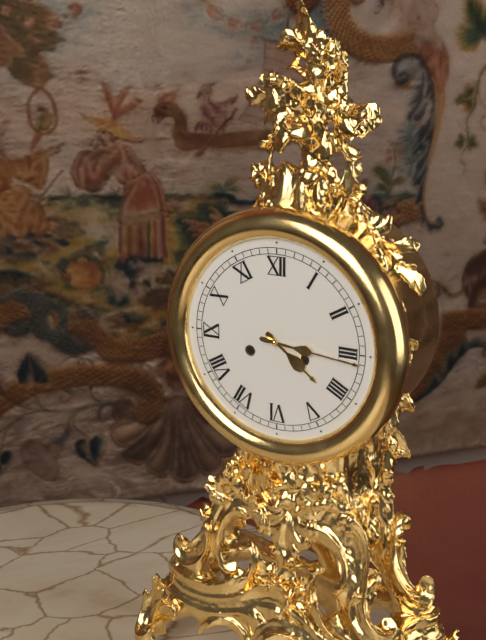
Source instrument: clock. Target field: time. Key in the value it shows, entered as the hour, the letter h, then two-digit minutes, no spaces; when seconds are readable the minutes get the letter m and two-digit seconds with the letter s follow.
4h16
